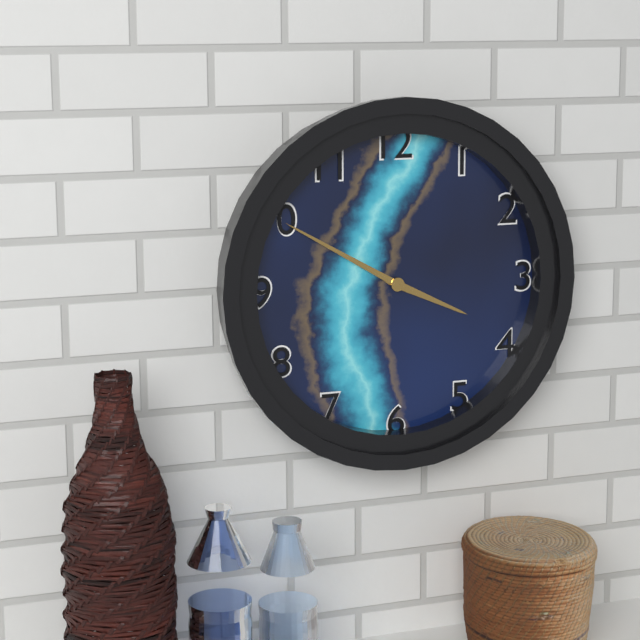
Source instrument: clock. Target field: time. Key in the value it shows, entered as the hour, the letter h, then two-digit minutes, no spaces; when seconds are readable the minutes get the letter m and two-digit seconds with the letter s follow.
3h50
